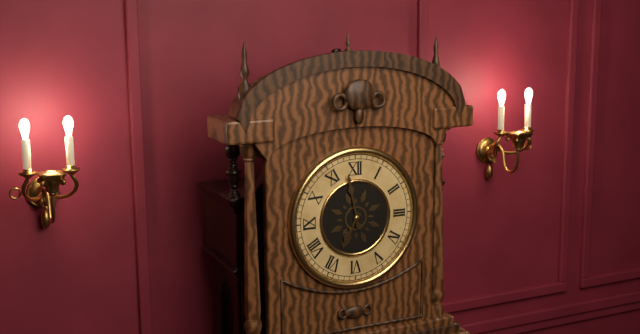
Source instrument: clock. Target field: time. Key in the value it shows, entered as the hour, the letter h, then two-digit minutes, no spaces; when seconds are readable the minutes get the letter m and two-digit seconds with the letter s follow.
6h58
